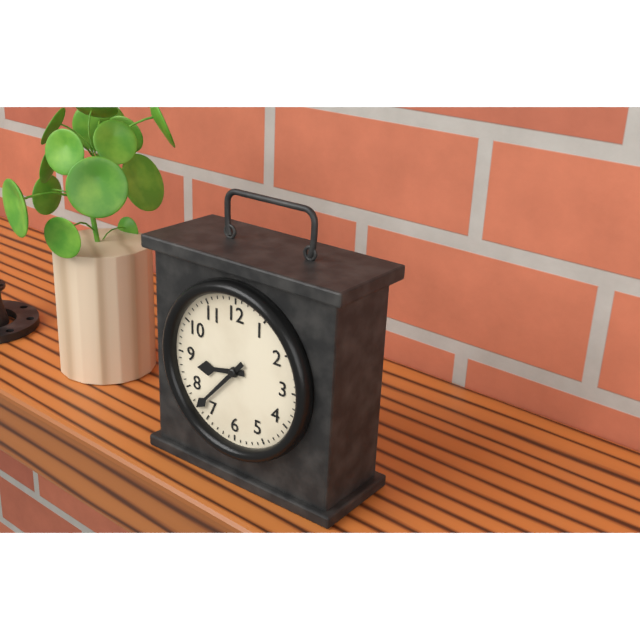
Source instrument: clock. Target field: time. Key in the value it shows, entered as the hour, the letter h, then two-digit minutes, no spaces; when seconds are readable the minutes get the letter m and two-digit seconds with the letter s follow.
8h37
